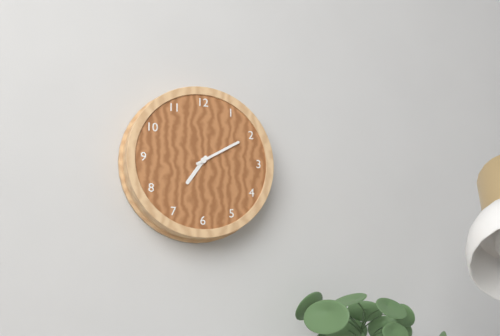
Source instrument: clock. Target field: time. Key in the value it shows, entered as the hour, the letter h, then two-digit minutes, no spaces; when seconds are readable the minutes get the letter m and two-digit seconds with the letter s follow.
7h10
